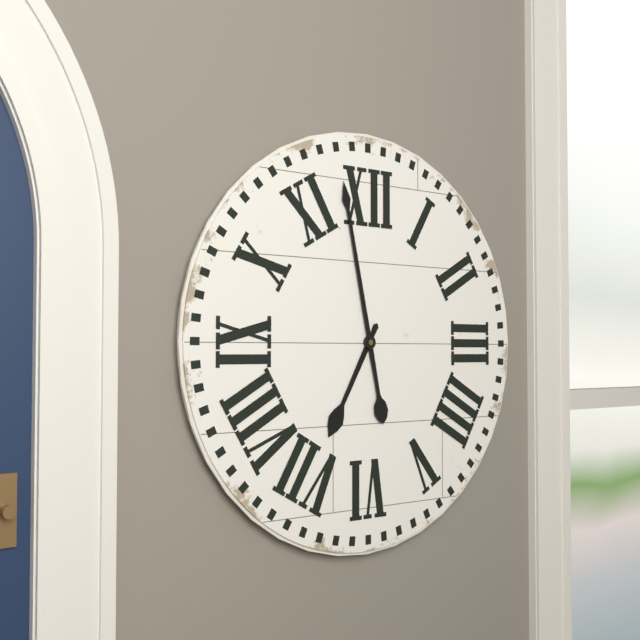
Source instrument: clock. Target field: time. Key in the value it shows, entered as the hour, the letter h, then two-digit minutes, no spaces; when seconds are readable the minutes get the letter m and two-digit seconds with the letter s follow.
6h58
